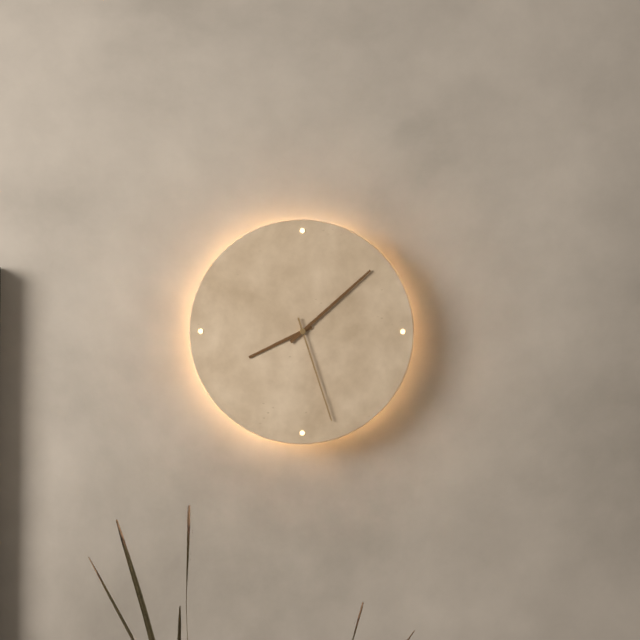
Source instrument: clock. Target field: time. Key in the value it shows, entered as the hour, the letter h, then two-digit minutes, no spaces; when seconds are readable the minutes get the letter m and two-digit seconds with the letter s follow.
8h08m27s
